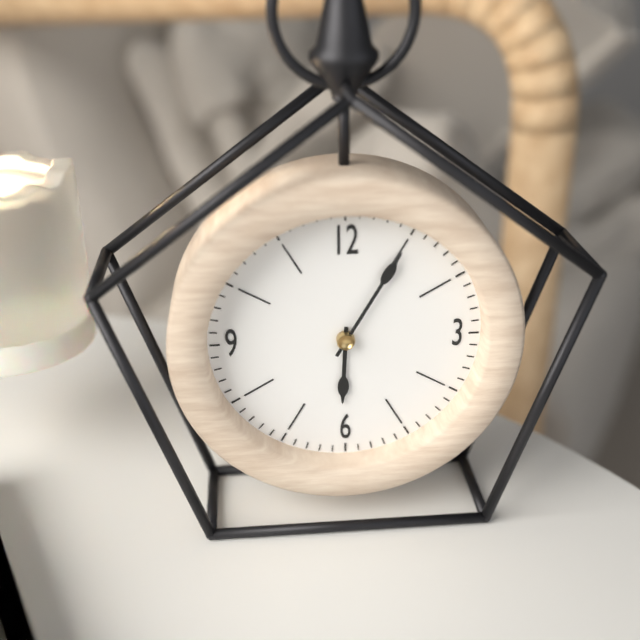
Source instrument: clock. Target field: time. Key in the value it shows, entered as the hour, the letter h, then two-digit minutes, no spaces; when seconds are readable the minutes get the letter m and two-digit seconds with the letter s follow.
6h05
